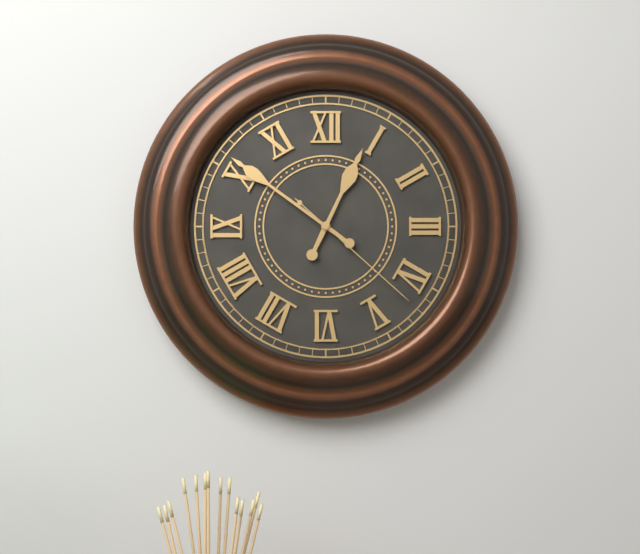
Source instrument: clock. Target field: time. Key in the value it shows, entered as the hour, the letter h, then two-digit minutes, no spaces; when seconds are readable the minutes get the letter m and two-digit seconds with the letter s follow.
12h51m22s
